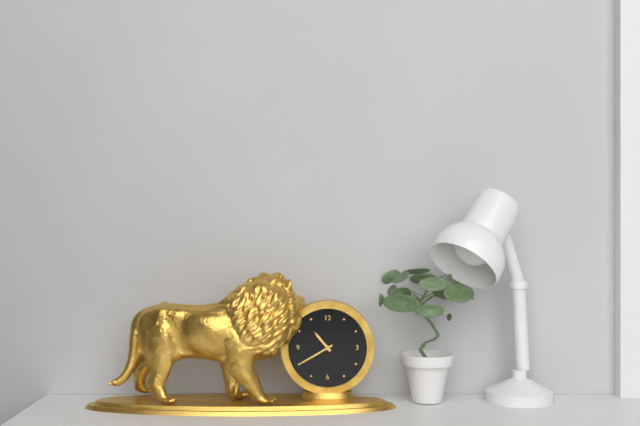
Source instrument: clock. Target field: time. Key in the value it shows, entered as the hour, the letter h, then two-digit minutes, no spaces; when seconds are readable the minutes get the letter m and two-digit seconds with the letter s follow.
10h40
